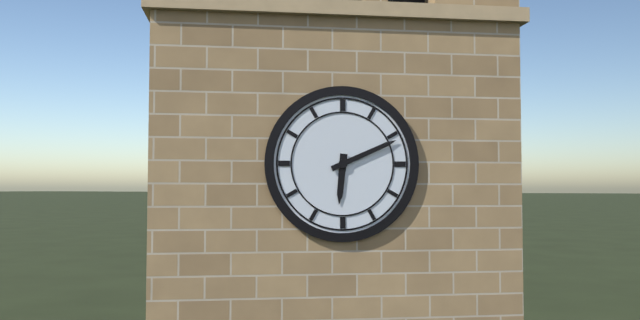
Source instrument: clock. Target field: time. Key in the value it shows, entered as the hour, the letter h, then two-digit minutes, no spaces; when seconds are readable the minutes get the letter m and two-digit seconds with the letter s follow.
6h11
